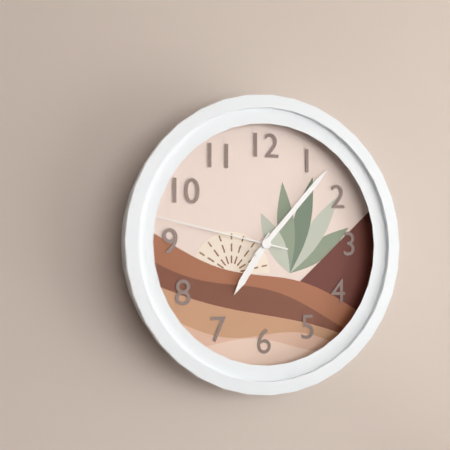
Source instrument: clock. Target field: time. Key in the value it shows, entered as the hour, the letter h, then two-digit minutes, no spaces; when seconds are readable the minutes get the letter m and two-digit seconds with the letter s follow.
7h07m47s
